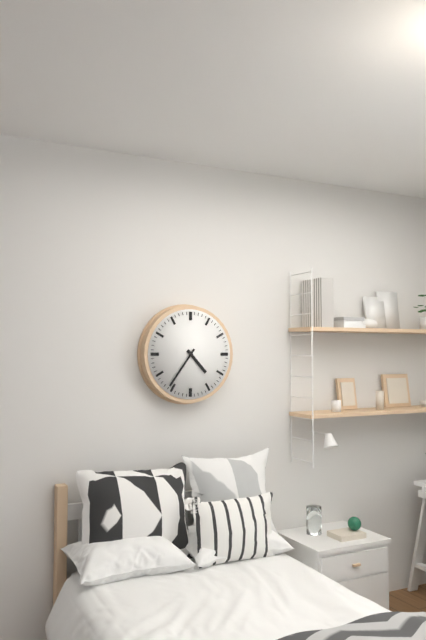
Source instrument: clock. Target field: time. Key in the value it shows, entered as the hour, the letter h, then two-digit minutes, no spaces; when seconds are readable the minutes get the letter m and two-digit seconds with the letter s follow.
4h36
